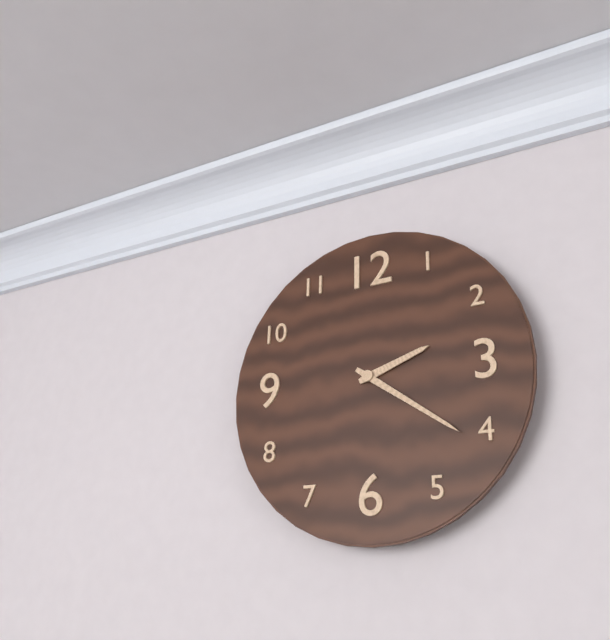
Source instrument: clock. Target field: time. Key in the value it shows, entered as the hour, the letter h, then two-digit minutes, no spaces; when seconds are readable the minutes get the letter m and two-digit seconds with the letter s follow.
2h21
